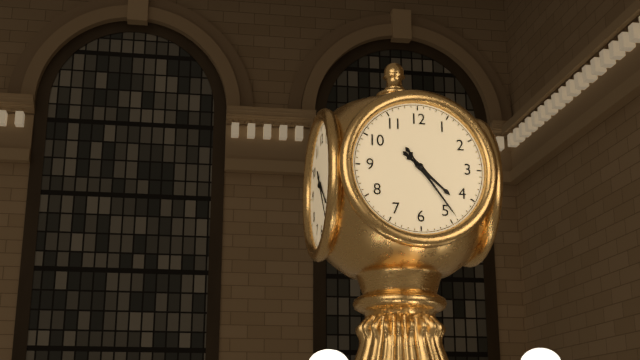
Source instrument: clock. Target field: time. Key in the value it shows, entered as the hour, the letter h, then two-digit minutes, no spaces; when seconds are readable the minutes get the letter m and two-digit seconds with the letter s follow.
4h24
